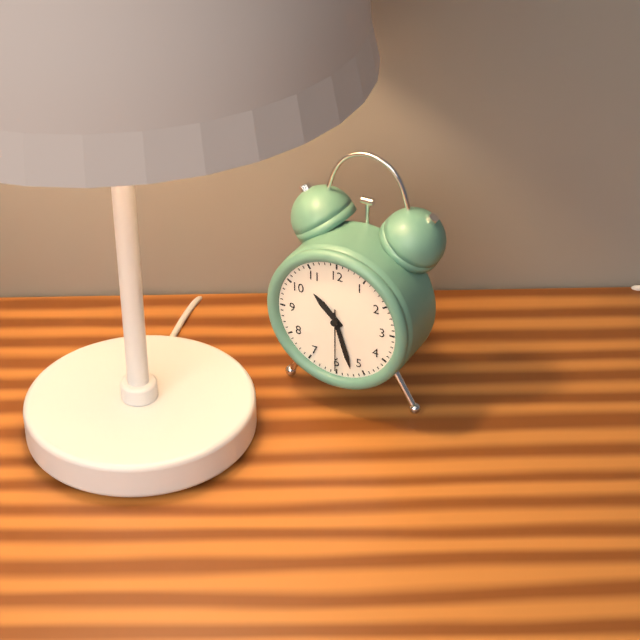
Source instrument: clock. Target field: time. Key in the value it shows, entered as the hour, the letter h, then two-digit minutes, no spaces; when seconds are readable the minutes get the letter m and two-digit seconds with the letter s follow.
10h27m30s
